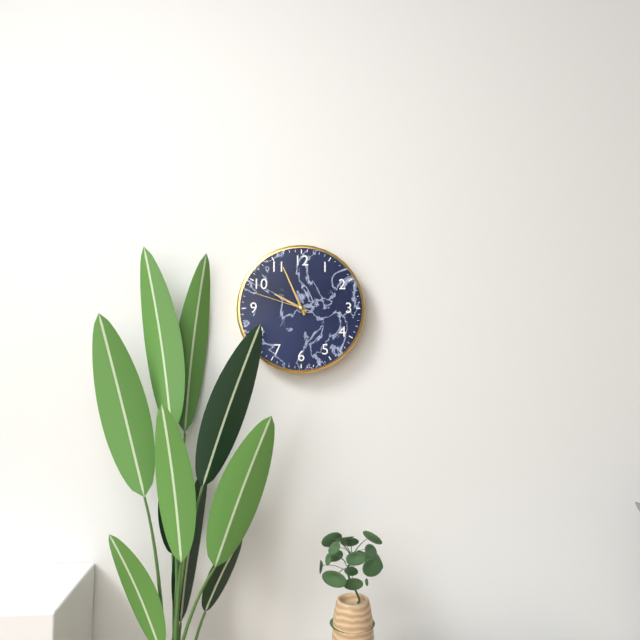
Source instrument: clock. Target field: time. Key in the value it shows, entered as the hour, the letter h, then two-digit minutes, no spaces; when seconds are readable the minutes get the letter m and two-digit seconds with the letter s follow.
9h56m48s
